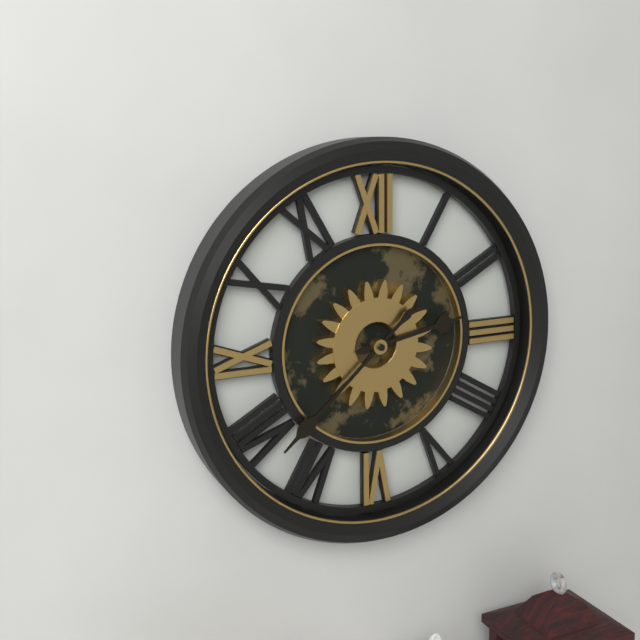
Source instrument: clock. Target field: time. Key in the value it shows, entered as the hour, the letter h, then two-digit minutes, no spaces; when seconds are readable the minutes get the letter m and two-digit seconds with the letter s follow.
2h38
